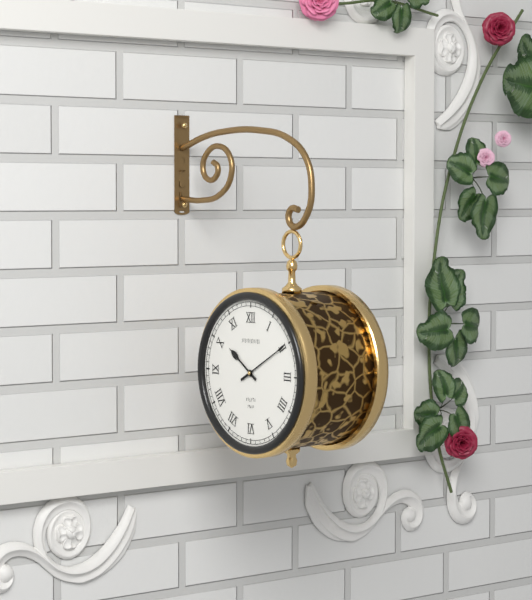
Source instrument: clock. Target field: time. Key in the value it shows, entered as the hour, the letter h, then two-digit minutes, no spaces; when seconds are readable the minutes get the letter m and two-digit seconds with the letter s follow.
10h10
